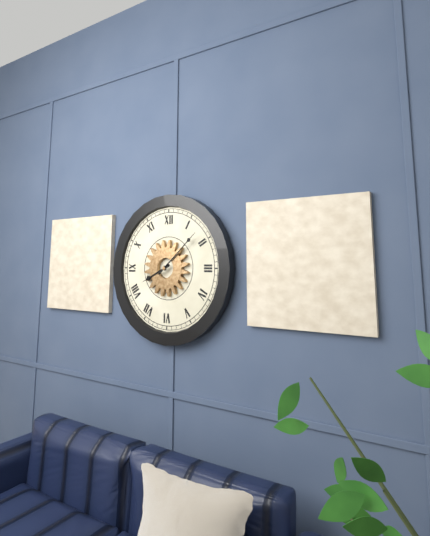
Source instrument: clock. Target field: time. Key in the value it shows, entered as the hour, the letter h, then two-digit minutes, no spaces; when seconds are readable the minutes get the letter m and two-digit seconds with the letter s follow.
8h08
